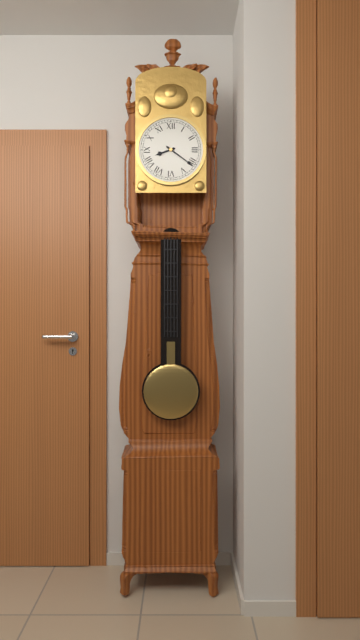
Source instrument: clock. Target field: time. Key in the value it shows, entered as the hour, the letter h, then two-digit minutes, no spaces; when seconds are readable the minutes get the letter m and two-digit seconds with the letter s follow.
8h21
